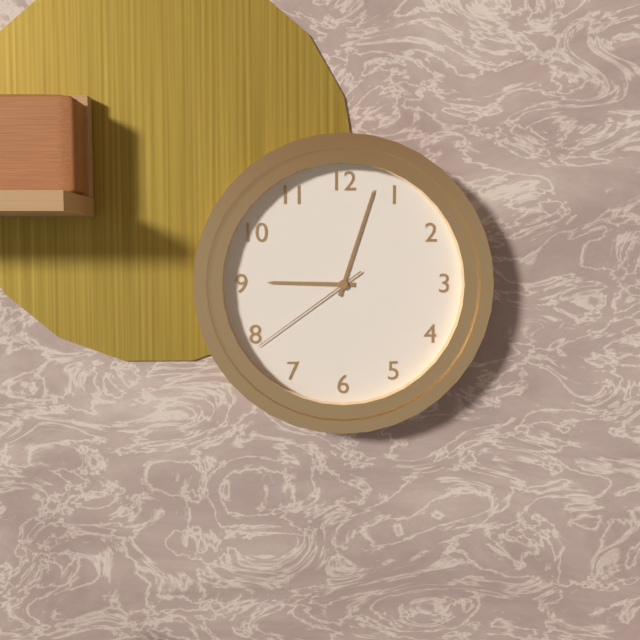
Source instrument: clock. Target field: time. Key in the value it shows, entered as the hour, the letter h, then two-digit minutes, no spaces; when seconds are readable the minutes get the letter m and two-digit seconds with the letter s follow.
9h03m39s
